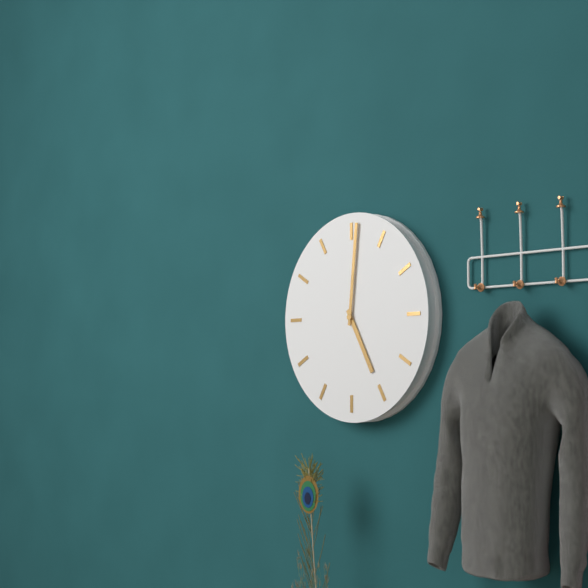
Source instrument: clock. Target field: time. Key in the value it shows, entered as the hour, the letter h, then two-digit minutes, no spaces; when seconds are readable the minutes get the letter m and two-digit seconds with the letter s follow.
5h01
